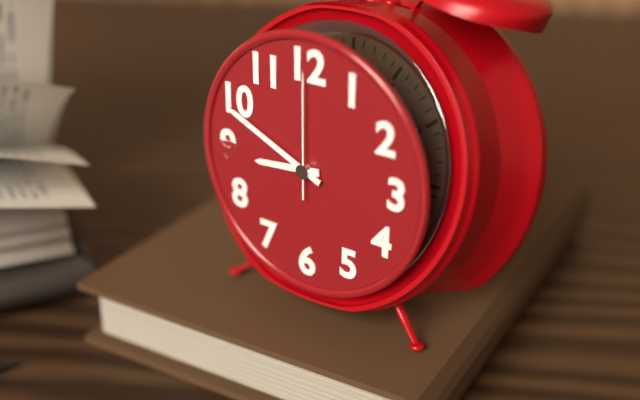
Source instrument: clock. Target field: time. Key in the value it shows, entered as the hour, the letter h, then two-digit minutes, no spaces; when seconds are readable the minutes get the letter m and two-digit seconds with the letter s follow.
8h49m00s
